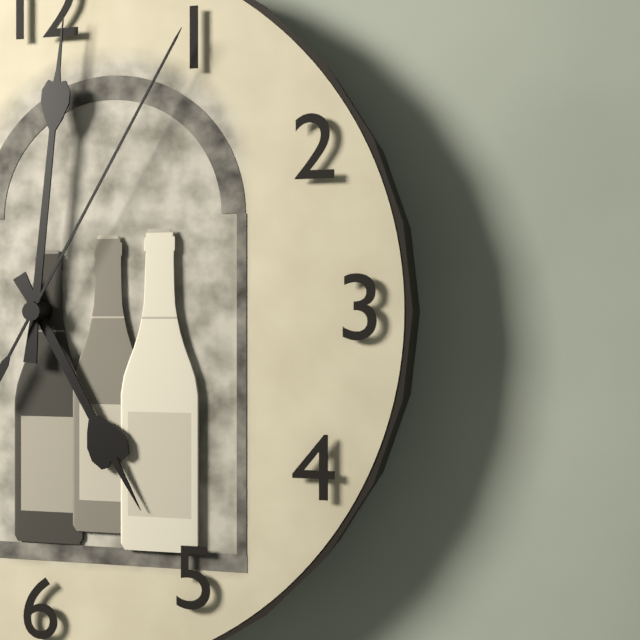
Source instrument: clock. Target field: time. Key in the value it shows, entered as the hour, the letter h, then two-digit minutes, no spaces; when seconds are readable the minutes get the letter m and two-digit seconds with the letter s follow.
5h01m05s
